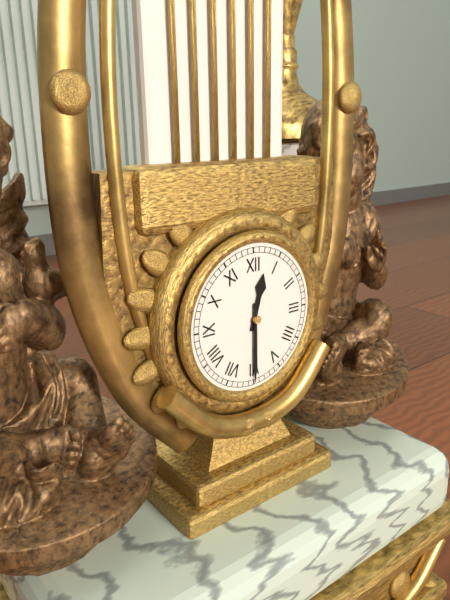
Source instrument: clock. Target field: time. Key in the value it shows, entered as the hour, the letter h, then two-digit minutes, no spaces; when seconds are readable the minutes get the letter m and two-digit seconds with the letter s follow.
12h30
